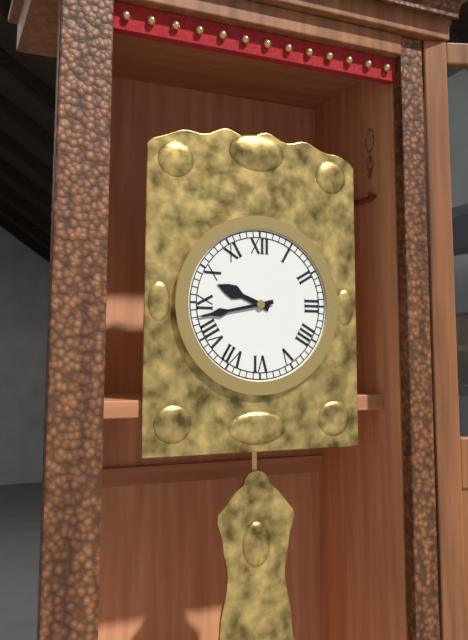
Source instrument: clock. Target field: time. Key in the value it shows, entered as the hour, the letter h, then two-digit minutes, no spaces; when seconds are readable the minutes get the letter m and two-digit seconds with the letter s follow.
9h43
